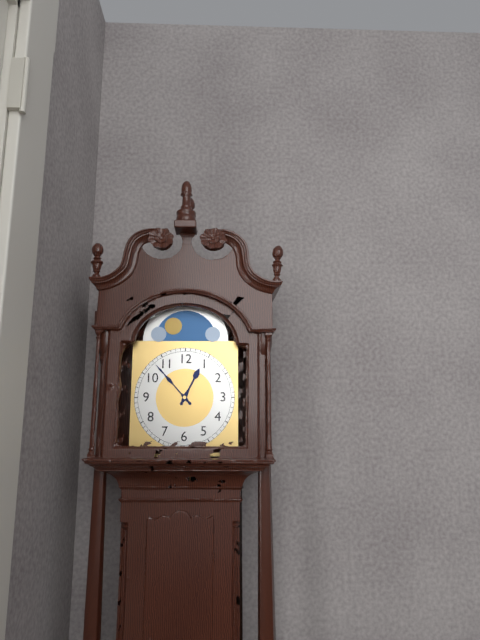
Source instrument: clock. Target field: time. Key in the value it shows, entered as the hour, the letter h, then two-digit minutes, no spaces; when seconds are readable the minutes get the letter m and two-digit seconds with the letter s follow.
12h53
